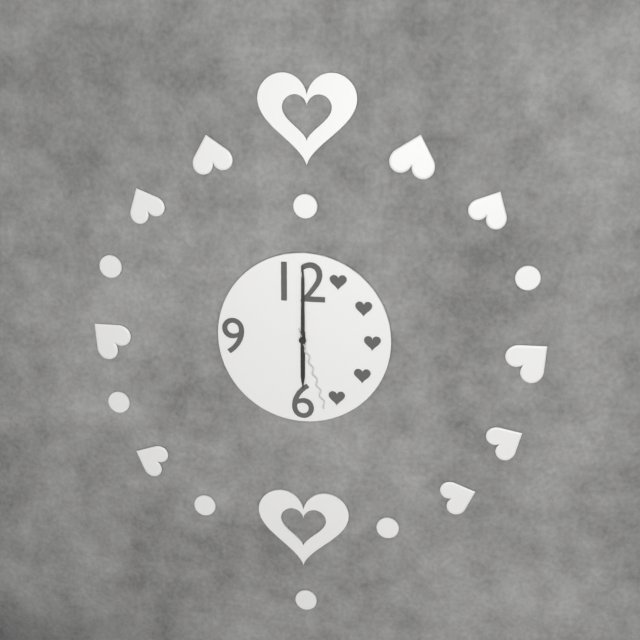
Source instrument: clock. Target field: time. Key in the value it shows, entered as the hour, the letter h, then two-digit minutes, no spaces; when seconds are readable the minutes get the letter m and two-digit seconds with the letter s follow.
6h00m27s
